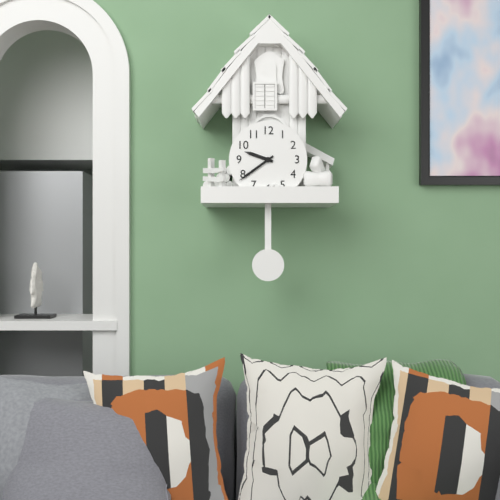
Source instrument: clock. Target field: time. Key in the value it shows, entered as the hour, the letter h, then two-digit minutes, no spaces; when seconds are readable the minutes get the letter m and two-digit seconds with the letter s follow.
9h39
